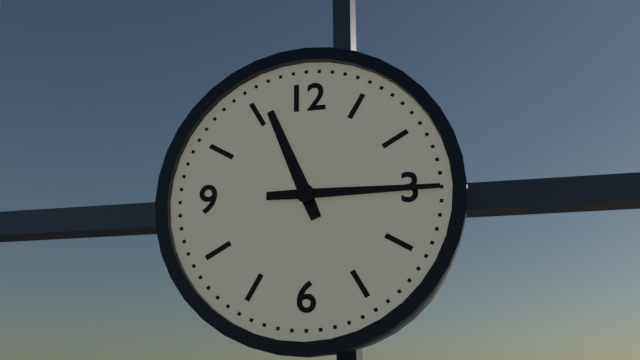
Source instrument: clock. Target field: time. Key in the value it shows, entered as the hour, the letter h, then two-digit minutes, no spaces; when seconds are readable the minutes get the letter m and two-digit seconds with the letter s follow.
11h15
